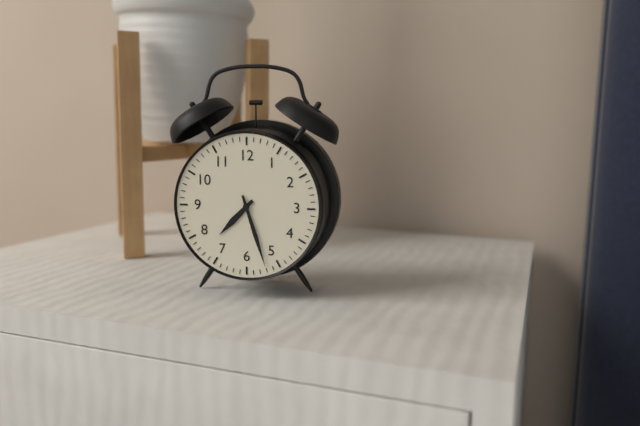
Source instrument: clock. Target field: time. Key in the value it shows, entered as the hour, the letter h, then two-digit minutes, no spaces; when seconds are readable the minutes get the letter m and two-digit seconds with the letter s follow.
7h27
